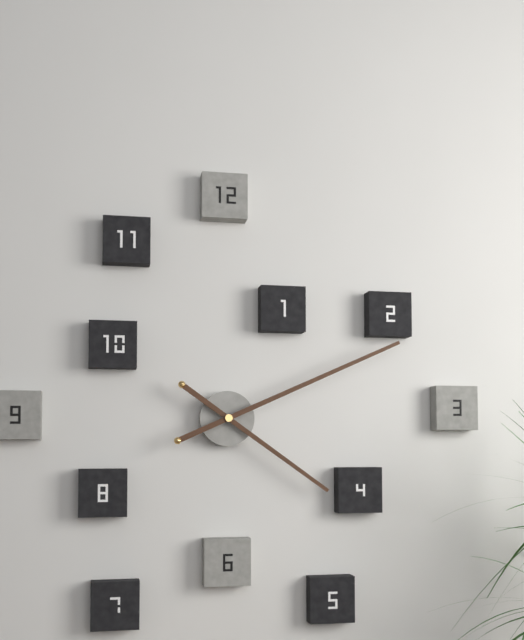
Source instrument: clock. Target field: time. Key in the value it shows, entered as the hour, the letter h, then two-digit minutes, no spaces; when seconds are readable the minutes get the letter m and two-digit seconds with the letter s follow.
4h11
